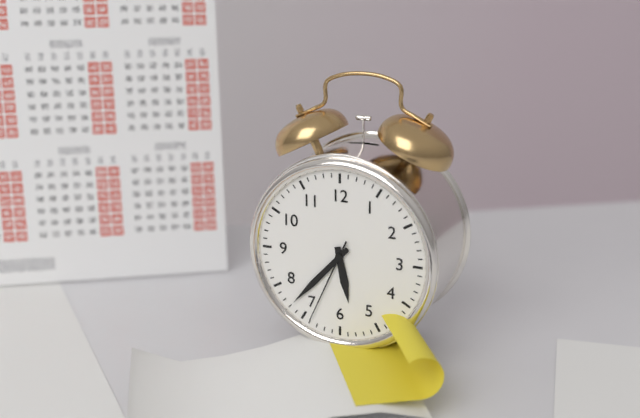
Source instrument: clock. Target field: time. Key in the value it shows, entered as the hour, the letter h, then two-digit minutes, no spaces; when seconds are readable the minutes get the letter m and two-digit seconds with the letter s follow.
5h37m34s
